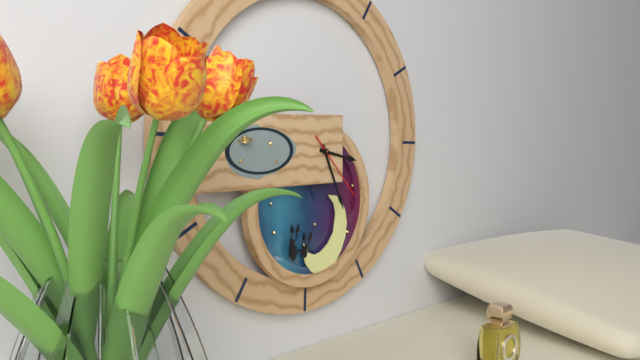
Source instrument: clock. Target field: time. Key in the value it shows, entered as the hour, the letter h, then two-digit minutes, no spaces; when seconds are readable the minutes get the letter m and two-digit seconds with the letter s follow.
3h26m23s
